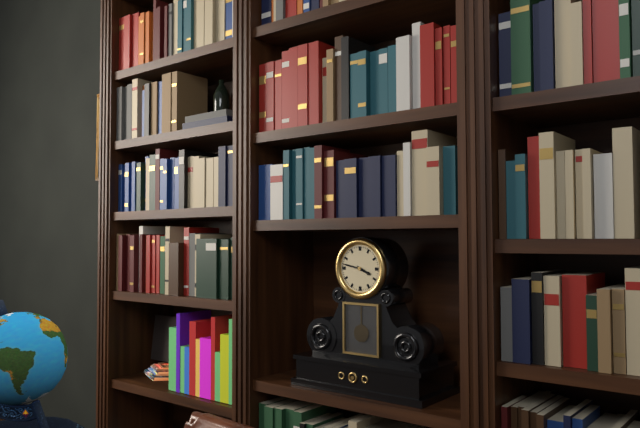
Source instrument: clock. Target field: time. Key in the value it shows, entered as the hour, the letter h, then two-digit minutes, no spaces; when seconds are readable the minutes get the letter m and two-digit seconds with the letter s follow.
3h47
